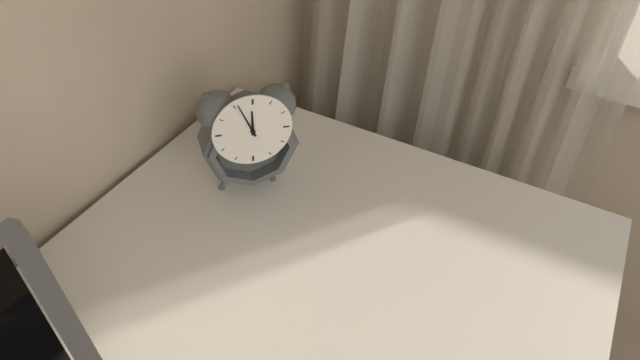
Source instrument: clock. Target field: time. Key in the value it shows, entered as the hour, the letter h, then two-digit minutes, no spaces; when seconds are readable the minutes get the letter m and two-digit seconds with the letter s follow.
11h56
